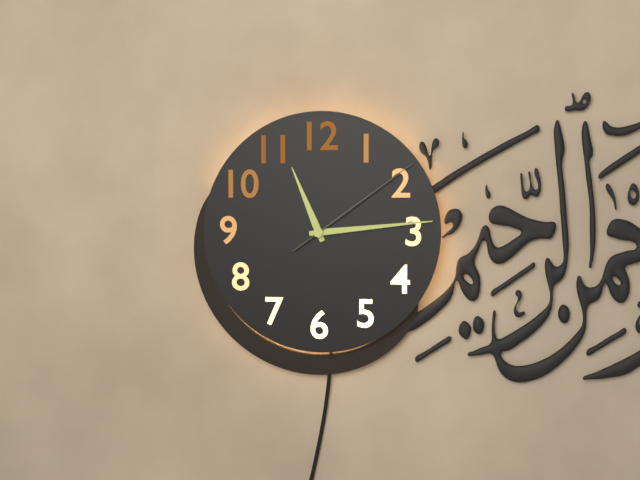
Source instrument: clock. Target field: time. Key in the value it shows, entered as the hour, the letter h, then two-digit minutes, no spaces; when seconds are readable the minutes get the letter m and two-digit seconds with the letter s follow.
11h14m09s
